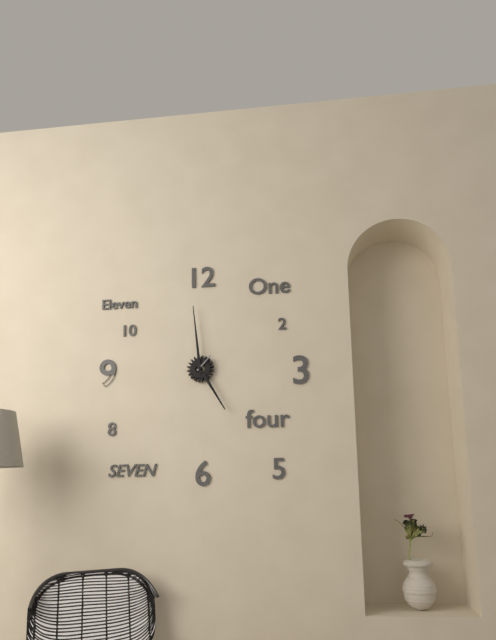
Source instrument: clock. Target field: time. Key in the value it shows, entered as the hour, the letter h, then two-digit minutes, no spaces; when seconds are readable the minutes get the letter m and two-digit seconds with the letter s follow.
4h59
